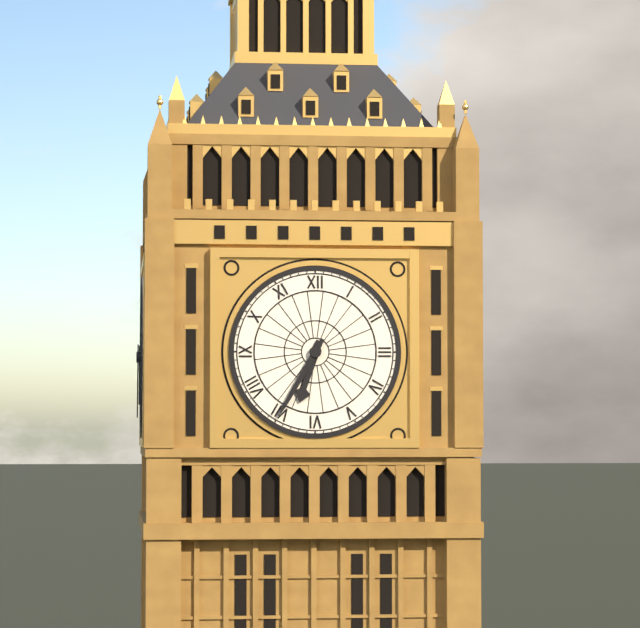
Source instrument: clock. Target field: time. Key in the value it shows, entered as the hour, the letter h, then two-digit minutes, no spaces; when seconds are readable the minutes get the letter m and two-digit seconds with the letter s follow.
6h35
